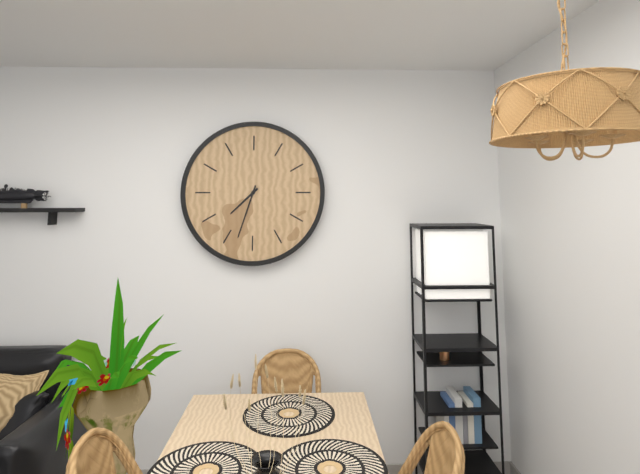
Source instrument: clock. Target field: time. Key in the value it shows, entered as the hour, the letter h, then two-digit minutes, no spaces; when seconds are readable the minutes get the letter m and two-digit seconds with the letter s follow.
7h33
